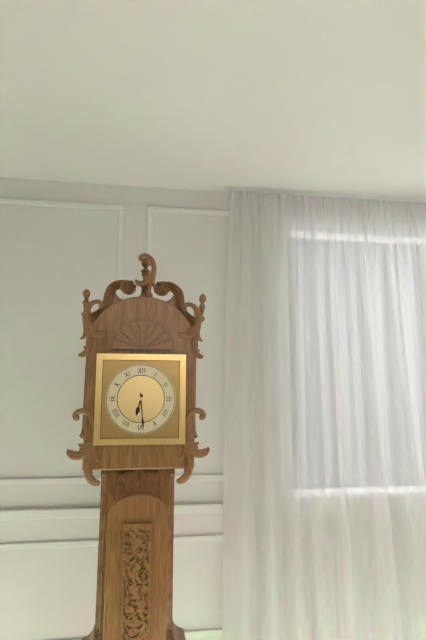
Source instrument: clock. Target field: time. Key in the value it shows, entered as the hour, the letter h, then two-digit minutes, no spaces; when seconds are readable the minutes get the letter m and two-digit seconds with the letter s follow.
6h29
